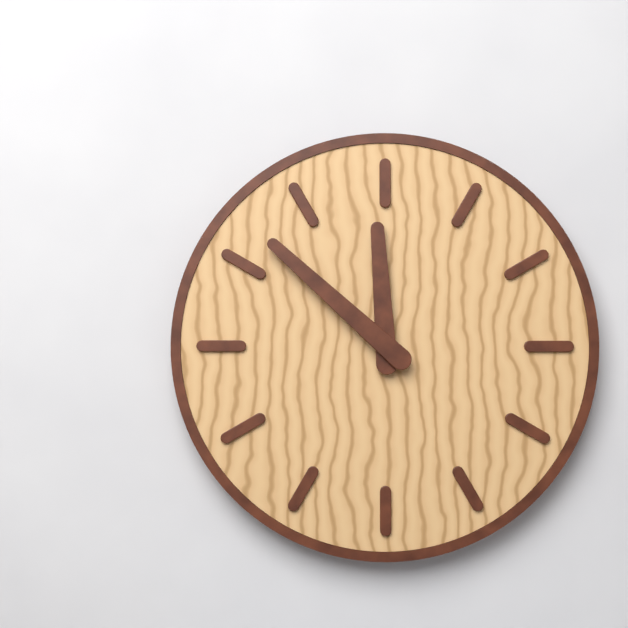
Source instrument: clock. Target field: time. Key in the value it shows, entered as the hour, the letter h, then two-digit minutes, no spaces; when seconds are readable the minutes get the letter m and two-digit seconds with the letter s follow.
11h52
